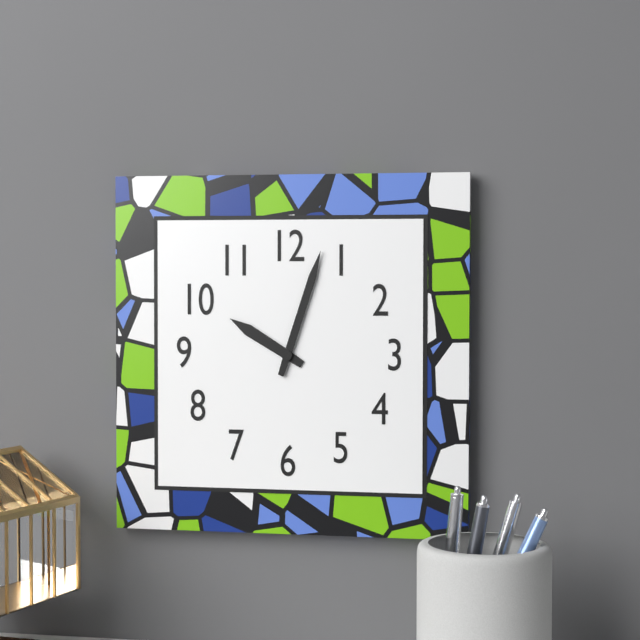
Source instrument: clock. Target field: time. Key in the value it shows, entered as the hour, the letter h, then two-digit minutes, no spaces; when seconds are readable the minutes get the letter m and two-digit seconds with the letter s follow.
10h03
